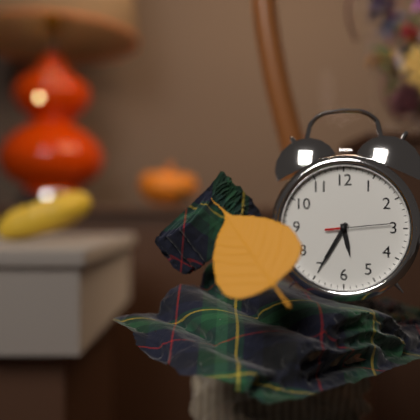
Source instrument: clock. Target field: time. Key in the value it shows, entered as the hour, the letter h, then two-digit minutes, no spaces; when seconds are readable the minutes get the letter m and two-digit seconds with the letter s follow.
5h35m14s
